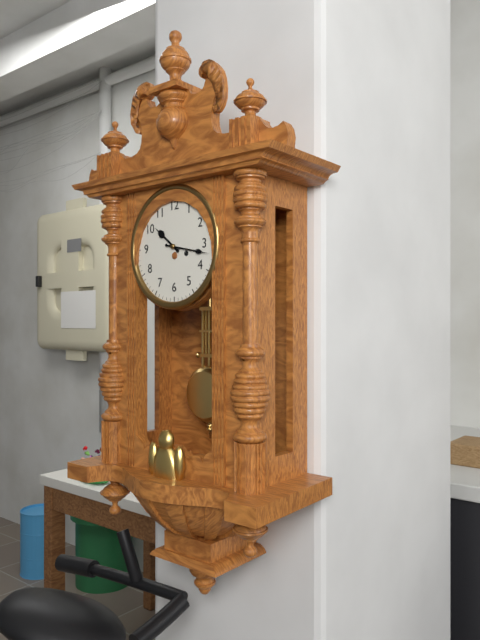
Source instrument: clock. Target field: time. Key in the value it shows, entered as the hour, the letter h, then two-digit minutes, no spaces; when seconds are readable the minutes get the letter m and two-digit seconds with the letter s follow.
10h17
